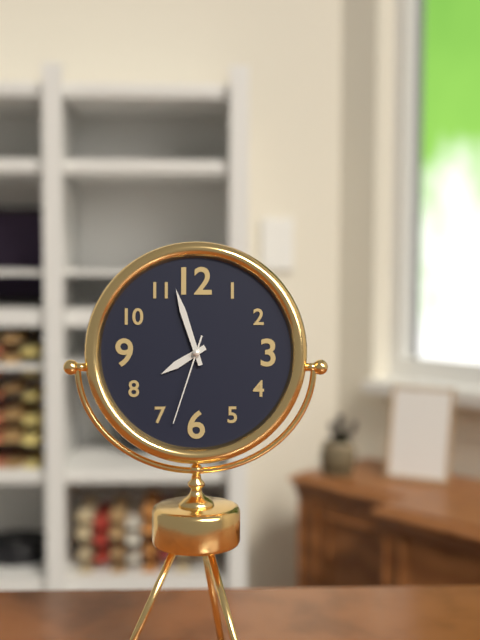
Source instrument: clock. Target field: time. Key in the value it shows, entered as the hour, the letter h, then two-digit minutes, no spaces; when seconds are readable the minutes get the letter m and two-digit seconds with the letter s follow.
7h57m33s
